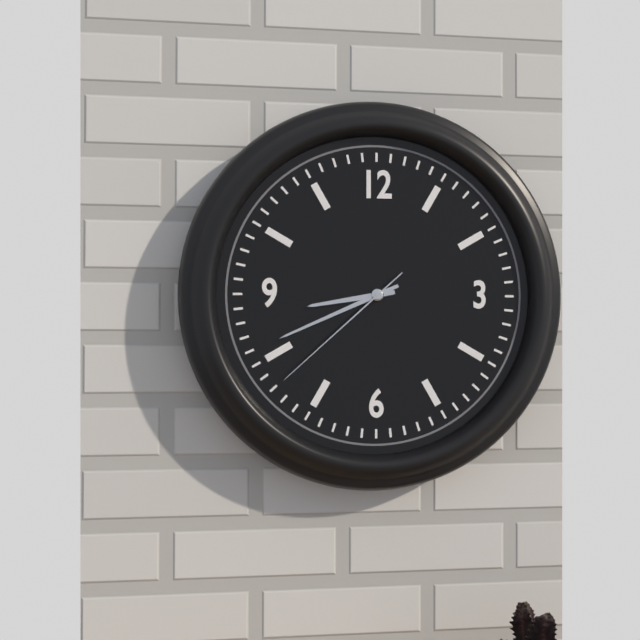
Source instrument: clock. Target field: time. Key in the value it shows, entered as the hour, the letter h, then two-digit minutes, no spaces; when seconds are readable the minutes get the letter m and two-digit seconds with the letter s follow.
8h41m38s
